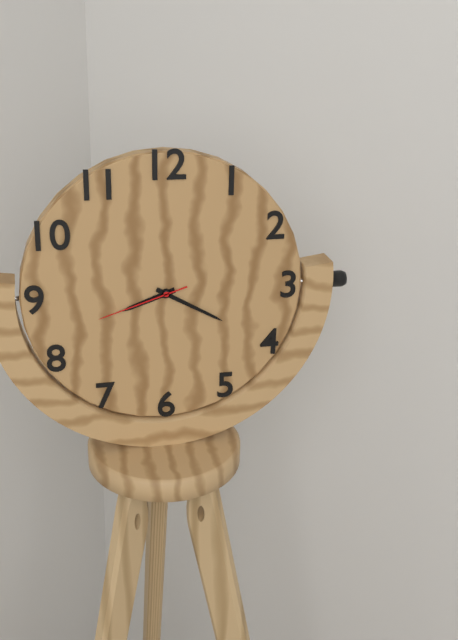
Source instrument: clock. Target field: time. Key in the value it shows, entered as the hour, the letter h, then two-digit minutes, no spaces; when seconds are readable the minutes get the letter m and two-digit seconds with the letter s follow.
8h20m42s
